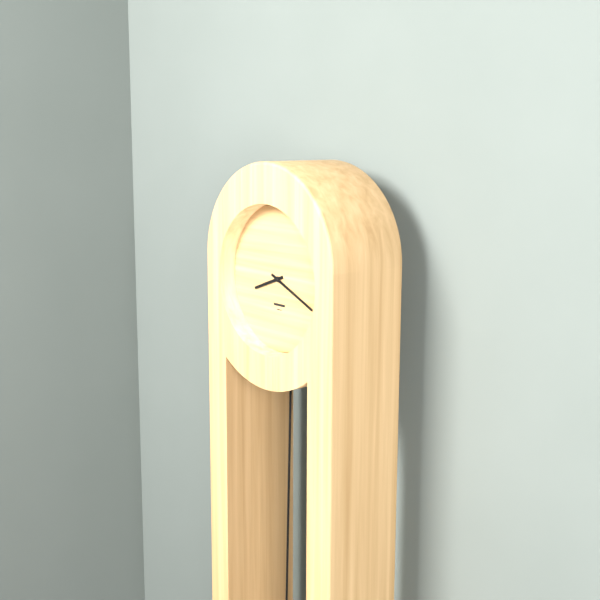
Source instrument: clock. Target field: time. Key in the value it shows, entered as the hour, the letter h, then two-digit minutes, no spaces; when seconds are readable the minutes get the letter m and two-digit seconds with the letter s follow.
8h19
